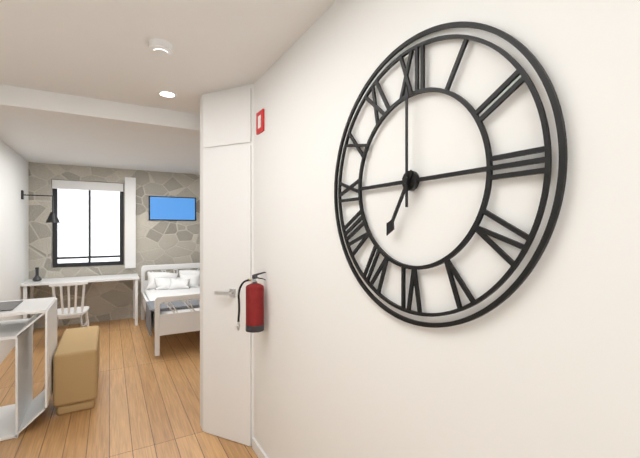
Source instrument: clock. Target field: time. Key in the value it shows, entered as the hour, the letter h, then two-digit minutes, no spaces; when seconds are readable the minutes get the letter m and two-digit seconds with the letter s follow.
7h00
